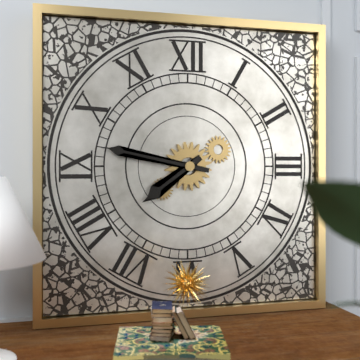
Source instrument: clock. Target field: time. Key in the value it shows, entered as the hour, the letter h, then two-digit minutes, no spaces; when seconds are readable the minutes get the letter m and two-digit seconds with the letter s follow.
7h47
